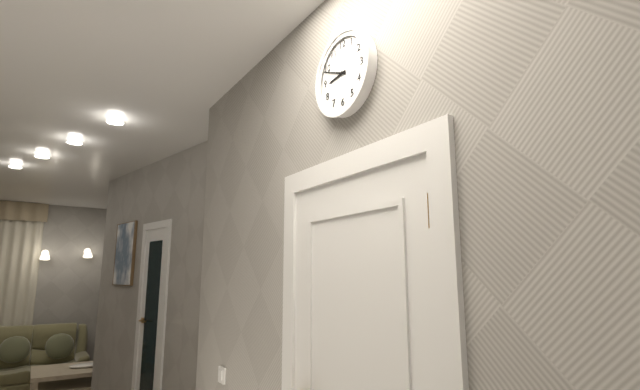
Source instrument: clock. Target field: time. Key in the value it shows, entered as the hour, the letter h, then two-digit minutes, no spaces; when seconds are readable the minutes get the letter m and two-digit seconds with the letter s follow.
8h49
